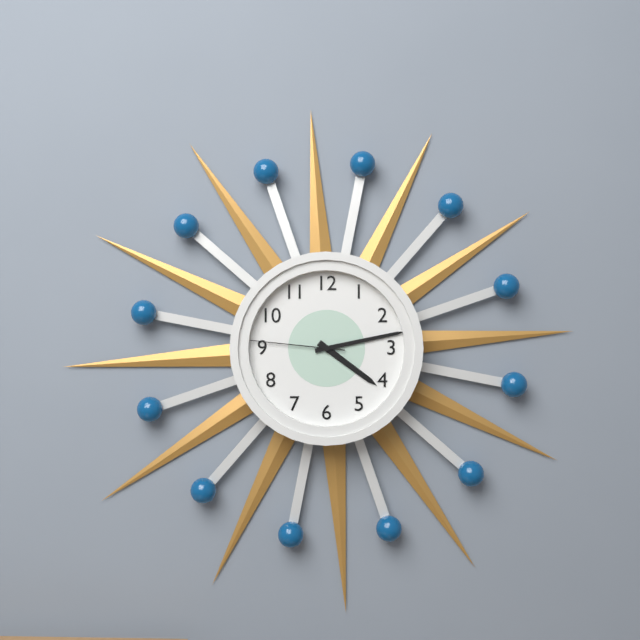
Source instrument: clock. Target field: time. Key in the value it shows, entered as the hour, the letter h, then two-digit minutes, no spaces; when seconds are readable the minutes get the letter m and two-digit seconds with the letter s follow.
4h13m46s
